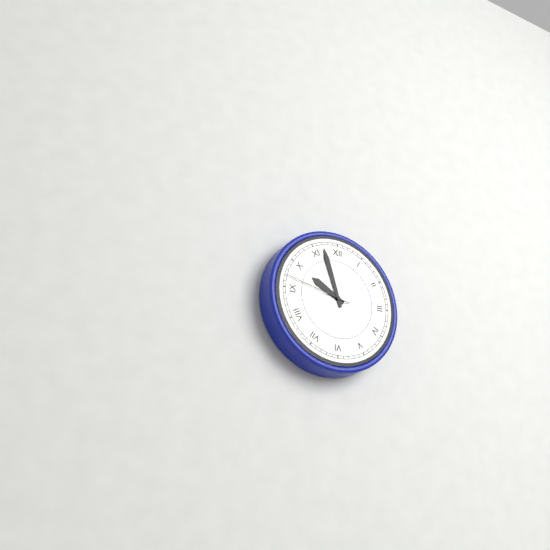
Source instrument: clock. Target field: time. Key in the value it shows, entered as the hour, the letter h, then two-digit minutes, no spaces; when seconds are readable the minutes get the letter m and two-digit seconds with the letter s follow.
9h57m47s
